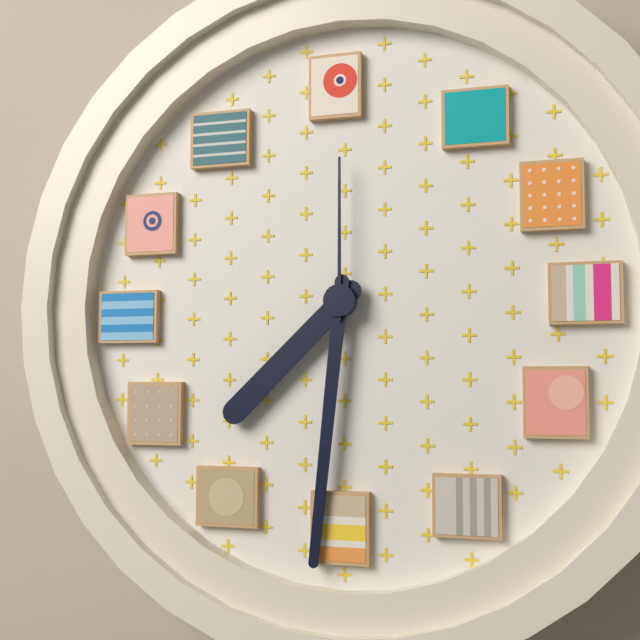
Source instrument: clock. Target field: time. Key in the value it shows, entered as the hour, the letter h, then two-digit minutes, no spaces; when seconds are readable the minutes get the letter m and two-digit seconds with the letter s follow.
7h31m00s
